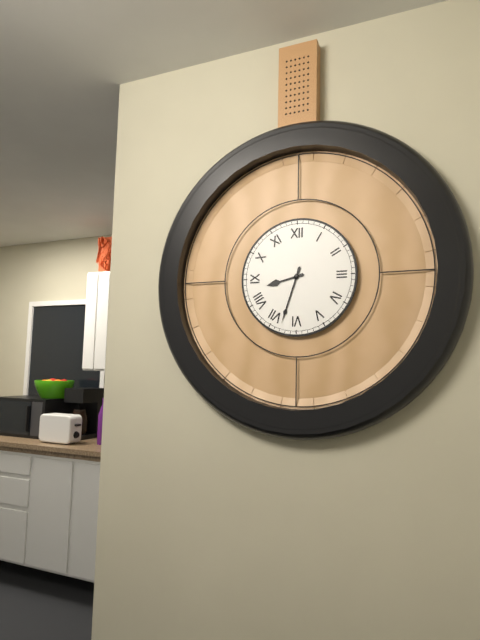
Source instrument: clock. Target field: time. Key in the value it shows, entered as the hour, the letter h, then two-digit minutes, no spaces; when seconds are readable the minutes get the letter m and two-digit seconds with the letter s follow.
8h33
